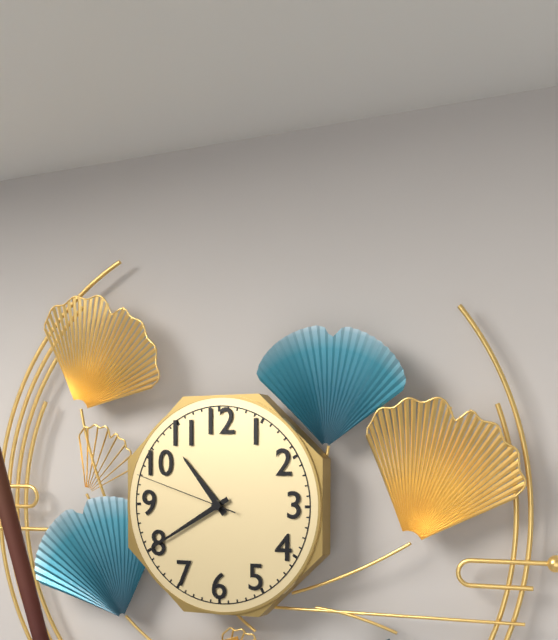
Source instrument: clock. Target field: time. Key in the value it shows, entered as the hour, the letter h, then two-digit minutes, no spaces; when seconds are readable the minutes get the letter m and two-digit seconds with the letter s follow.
10h40m48s
